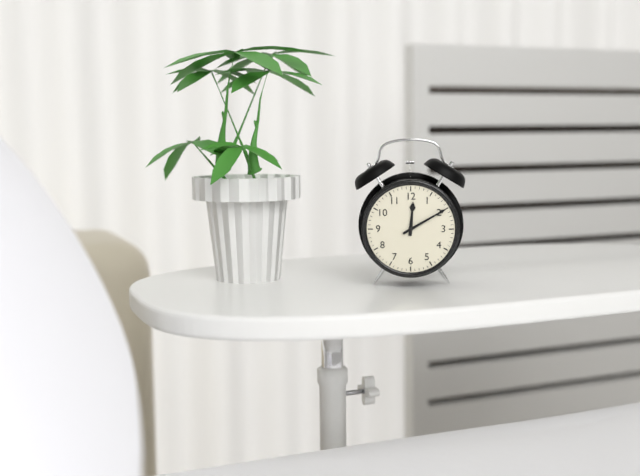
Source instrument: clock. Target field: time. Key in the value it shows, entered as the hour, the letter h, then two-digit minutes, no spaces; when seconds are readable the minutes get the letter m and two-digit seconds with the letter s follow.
12h10
